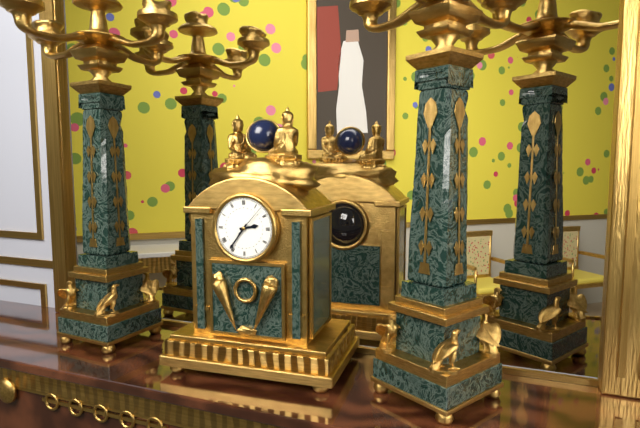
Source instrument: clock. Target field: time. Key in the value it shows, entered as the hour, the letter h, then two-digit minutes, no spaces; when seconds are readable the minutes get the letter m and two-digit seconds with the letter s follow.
2h36
